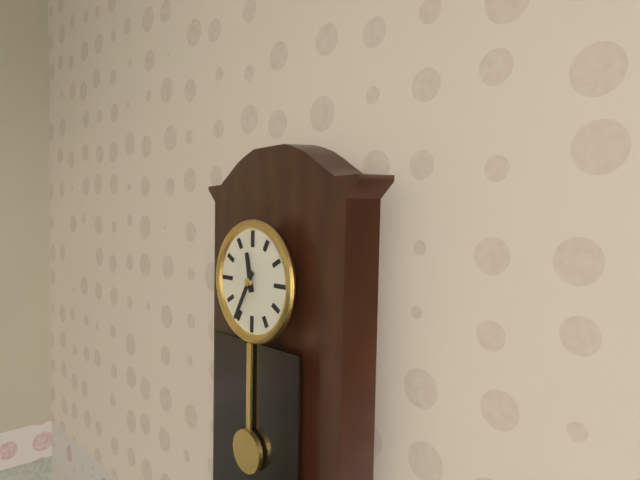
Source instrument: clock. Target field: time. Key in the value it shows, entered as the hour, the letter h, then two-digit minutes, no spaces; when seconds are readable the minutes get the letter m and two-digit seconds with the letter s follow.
11h35
